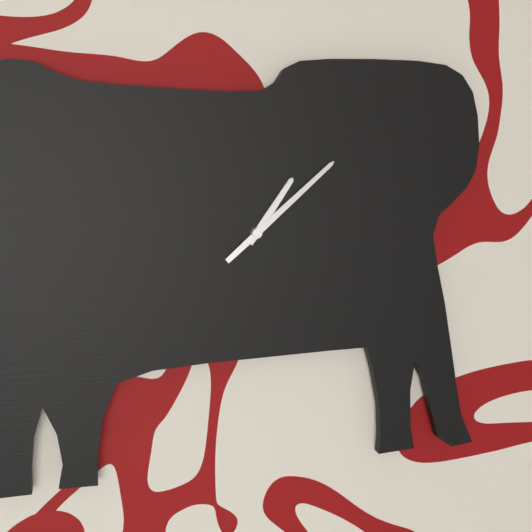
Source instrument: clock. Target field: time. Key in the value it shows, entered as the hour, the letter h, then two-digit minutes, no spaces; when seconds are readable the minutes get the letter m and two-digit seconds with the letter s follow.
1h08
